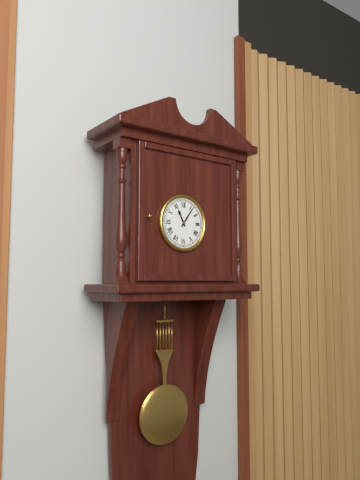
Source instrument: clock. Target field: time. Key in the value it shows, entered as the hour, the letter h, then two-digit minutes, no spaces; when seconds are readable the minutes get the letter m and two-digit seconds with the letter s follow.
11h06
